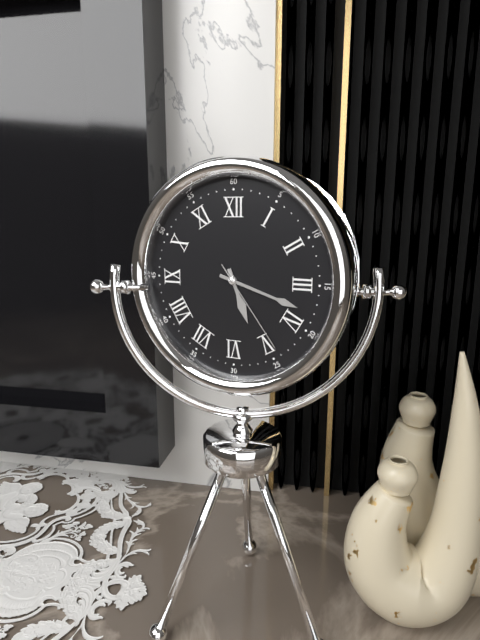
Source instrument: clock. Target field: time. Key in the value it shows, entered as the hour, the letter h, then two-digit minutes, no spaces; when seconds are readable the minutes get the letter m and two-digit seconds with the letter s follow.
5h18m24s
